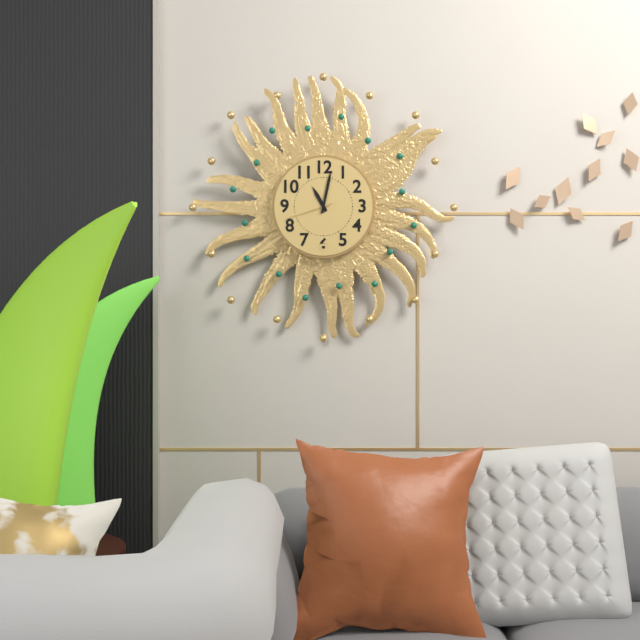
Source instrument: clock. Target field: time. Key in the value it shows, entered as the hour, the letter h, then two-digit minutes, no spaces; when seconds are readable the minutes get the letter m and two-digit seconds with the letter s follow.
11h02m42s
